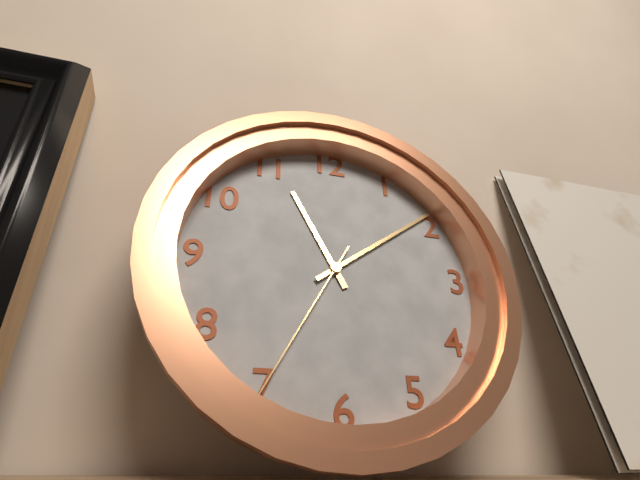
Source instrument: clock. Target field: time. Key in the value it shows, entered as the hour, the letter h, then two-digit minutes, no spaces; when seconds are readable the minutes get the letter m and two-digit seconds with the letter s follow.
11h09m35s
